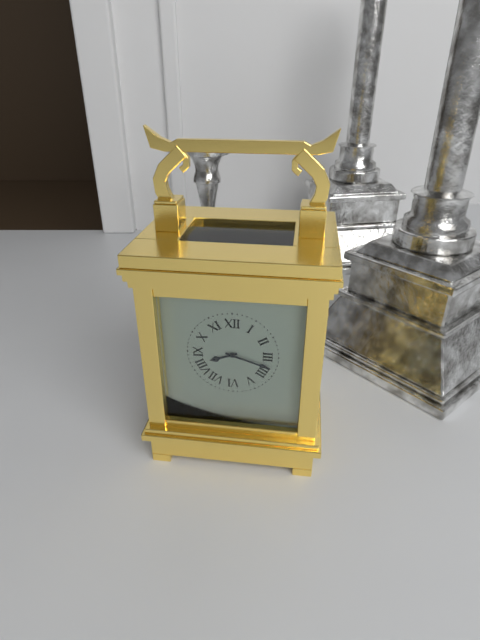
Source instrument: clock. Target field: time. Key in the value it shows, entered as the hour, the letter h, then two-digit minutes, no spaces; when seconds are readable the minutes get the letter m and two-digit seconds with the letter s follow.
8h18
